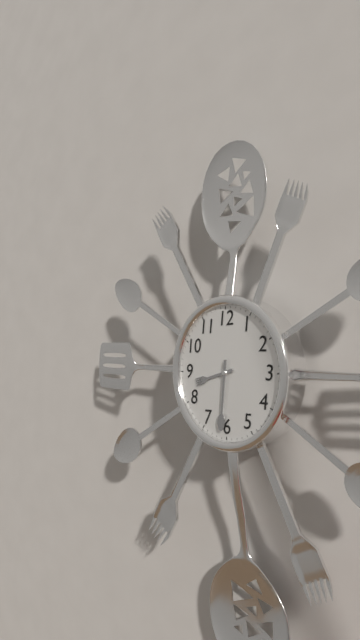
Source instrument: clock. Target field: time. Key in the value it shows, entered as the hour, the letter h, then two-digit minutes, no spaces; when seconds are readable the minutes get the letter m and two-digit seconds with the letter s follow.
8h31
